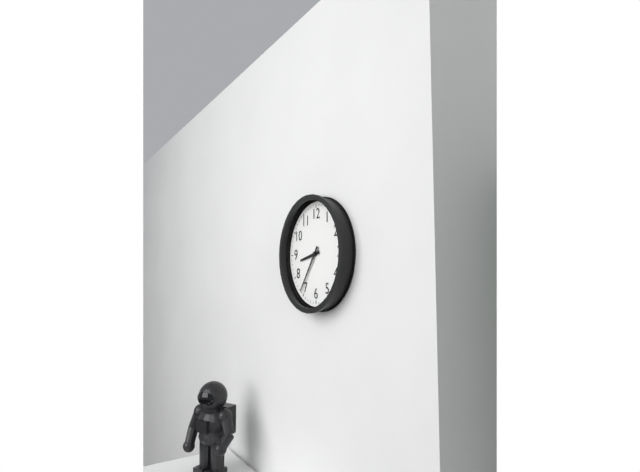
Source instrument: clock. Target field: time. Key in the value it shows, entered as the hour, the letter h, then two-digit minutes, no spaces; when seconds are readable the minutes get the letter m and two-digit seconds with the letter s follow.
8h36
